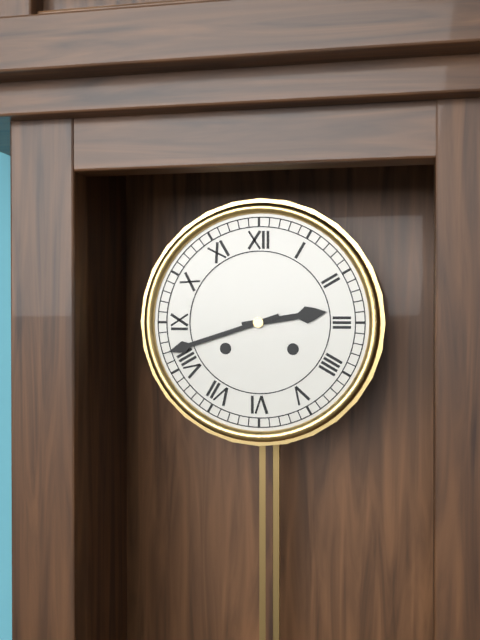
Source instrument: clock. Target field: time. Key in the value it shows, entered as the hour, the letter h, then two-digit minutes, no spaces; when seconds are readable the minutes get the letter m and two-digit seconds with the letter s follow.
2h42
